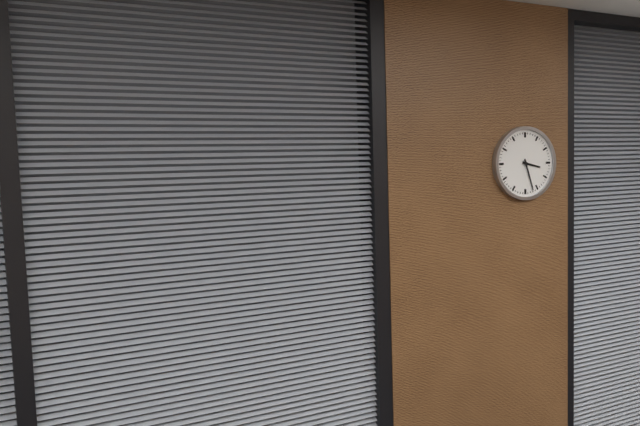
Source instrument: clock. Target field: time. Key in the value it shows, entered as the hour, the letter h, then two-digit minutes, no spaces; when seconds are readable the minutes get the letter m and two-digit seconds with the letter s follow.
3h27
